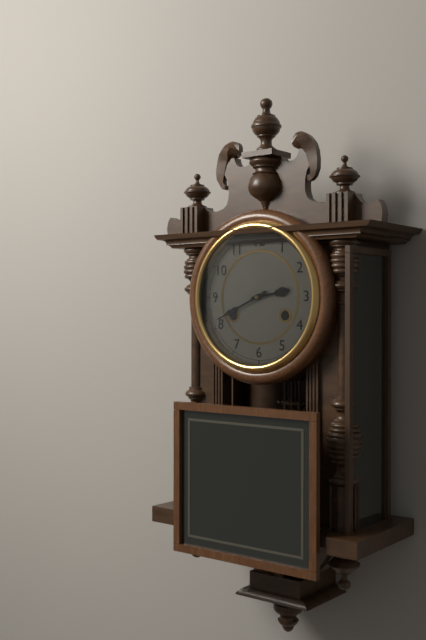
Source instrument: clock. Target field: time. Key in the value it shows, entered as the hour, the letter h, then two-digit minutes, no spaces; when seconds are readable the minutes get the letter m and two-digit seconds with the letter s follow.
2h41
